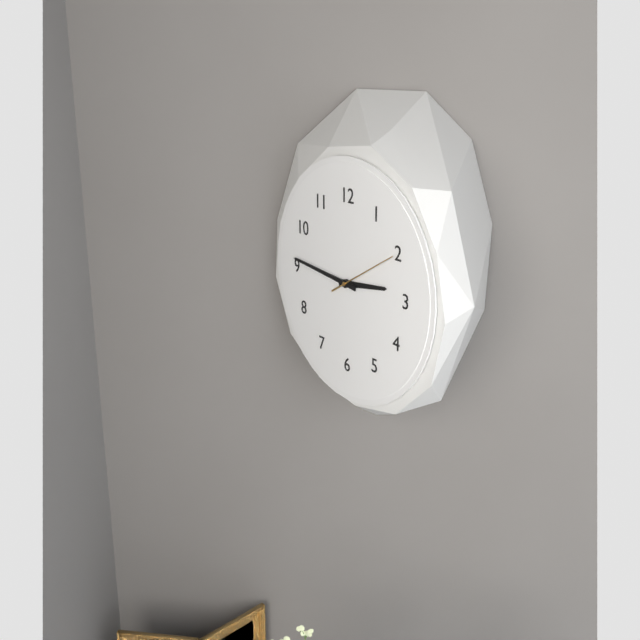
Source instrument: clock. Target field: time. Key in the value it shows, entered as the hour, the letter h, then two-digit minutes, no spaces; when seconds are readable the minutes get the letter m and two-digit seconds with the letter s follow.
2h46m10s
